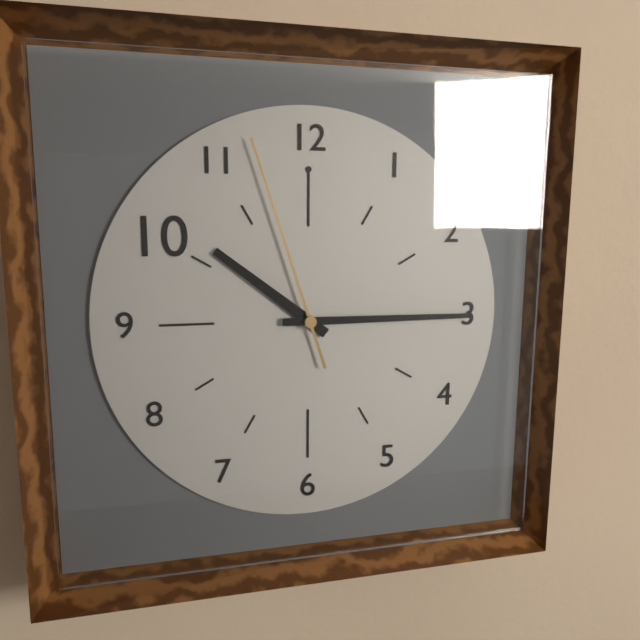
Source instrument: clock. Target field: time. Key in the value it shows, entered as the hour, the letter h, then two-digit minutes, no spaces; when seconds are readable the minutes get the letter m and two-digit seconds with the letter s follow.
10h15m57s
